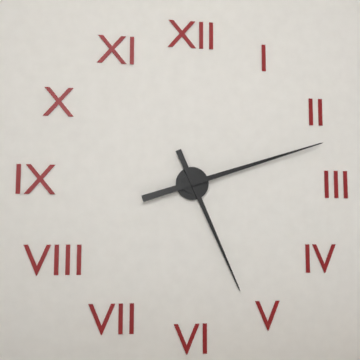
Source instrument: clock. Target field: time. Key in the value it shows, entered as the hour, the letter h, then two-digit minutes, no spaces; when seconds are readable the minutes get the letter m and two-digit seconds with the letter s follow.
5h12
